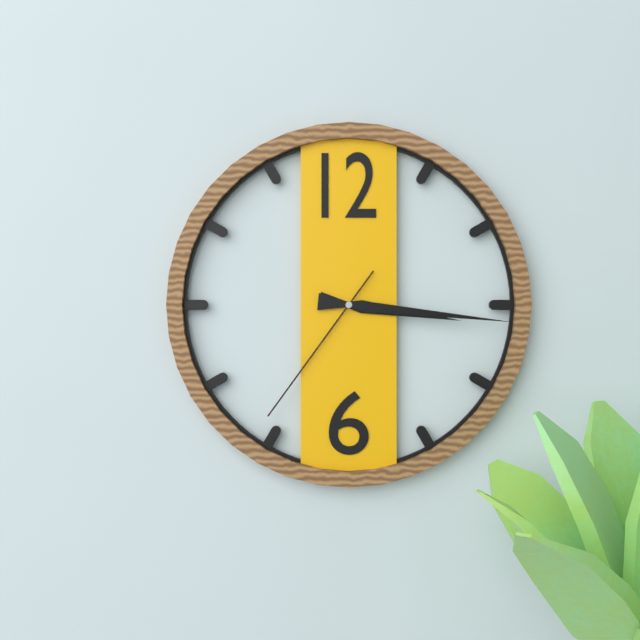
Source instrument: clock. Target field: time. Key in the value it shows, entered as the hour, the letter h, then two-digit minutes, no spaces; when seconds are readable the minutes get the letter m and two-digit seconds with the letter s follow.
3h16m36s
